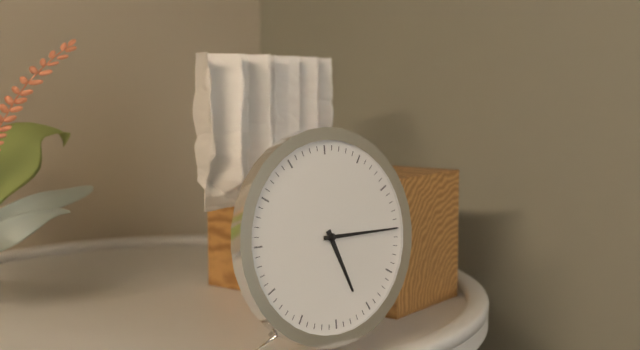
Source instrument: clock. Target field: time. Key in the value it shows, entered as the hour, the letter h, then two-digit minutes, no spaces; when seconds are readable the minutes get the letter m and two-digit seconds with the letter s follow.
5h15
